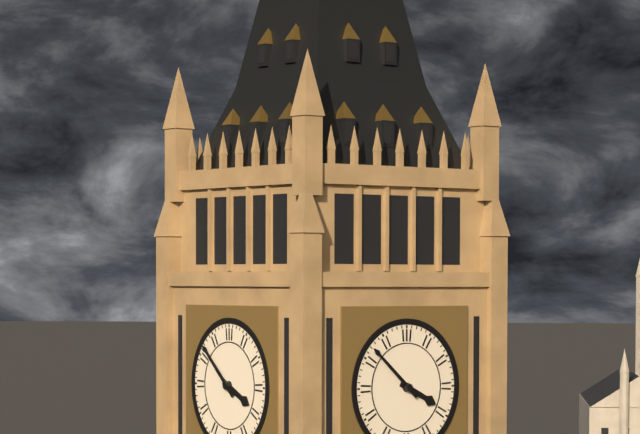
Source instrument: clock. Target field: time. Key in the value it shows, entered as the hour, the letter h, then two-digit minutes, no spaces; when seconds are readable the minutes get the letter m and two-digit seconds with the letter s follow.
3h52
